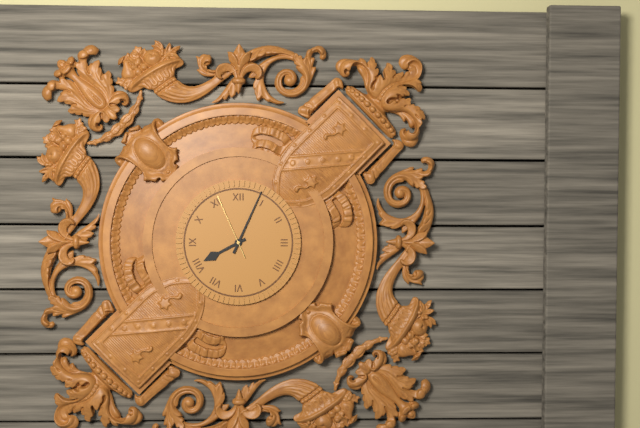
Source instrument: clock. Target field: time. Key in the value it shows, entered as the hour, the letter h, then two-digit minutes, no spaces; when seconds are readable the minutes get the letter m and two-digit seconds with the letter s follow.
8h04m56s
